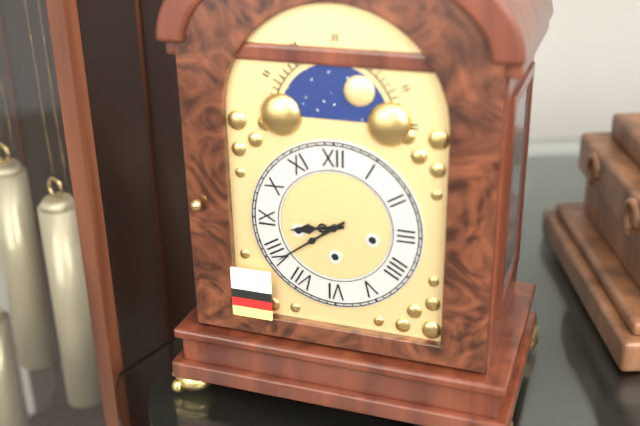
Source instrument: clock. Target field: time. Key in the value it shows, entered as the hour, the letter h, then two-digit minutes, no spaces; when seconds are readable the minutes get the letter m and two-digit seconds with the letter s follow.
8h39
